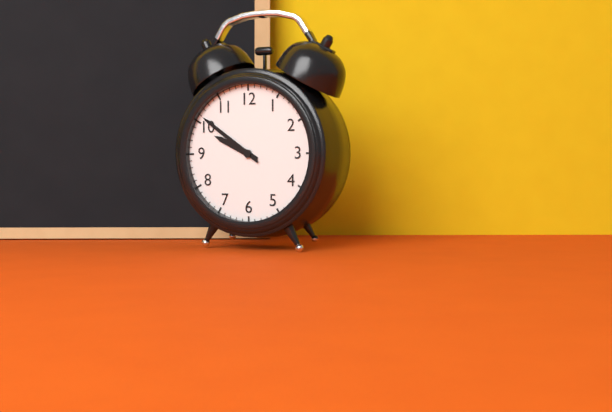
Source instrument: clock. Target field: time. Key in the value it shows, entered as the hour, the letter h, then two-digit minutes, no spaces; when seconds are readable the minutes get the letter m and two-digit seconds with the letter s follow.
9h51
